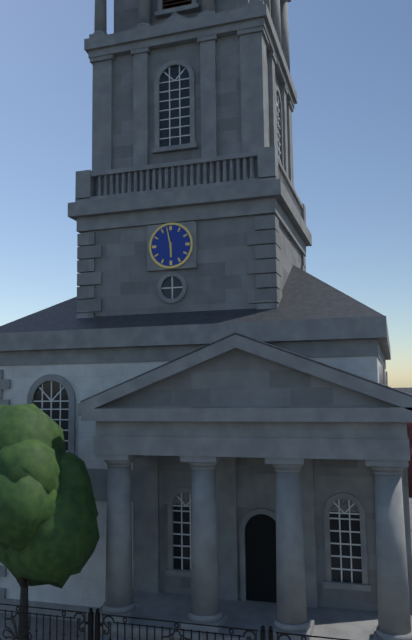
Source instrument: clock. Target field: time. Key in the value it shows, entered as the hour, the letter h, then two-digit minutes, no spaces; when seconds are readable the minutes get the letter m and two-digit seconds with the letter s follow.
5h58
